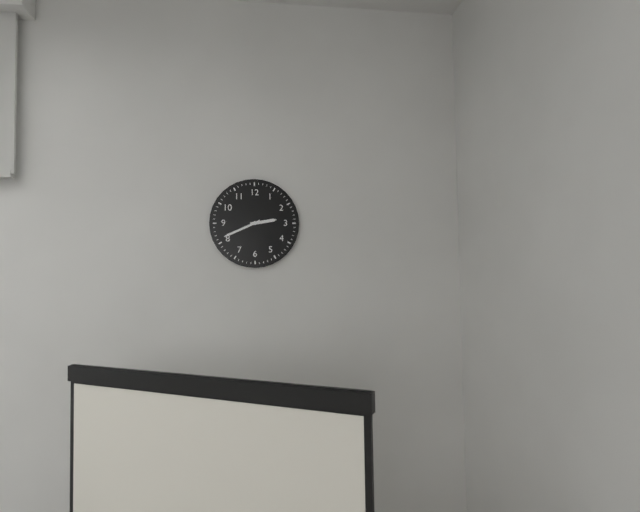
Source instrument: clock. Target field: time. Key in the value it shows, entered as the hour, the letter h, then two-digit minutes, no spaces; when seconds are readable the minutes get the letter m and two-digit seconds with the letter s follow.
2h41
